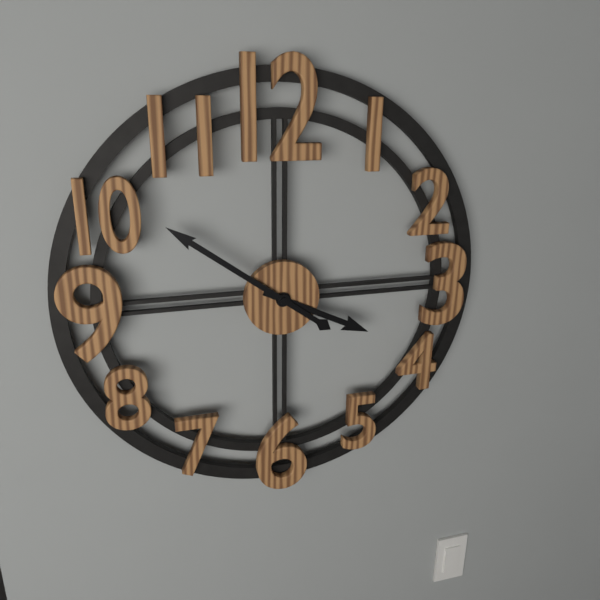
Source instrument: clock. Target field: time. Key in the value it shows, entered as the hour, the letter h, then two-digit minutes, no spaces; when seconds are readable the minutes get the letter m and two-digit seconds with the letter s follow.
3h51
